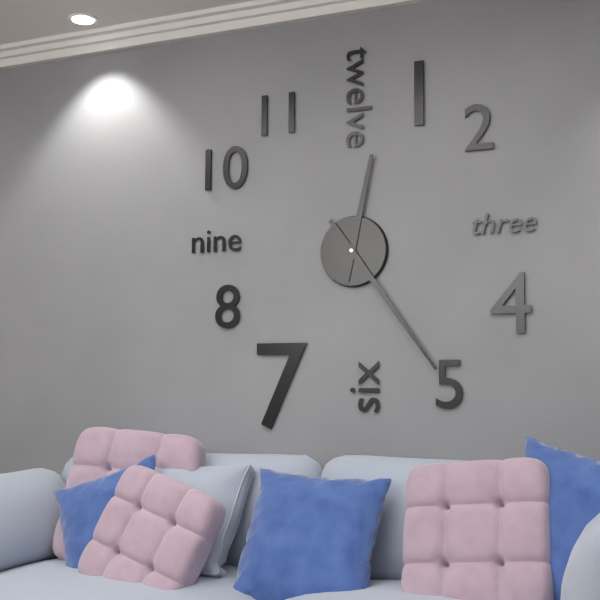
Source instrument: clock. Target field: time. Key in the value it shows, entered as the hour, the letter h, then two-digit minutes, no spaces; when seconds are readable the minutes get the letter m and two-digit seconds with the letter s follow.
12h24
